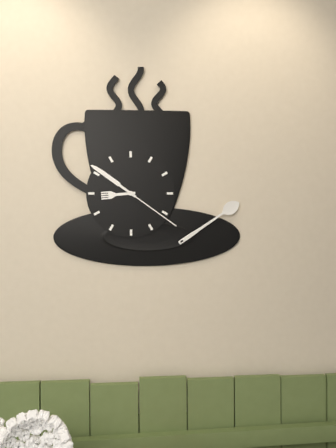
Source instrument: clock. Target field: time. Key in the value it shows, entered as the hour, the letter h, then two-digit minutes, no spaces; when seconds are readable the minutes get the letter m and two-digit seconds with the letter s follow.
8h51m21s
